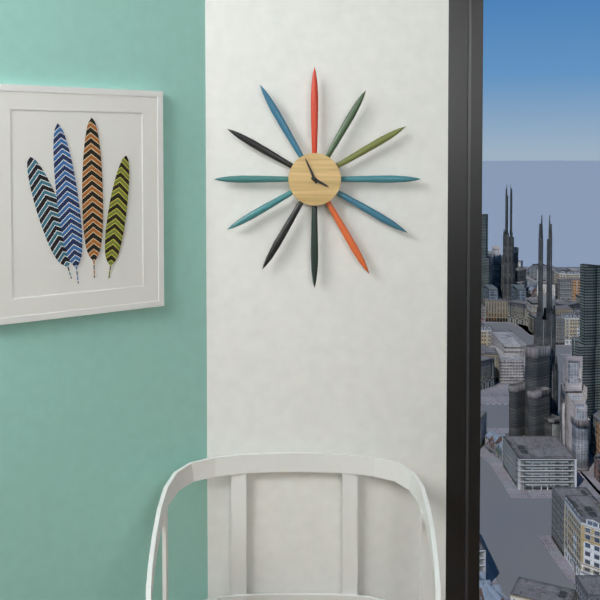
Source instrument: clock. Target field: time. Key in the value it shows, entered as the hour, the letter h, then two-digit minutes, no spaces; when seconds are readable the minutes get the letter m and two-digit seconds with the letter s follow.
3h56
